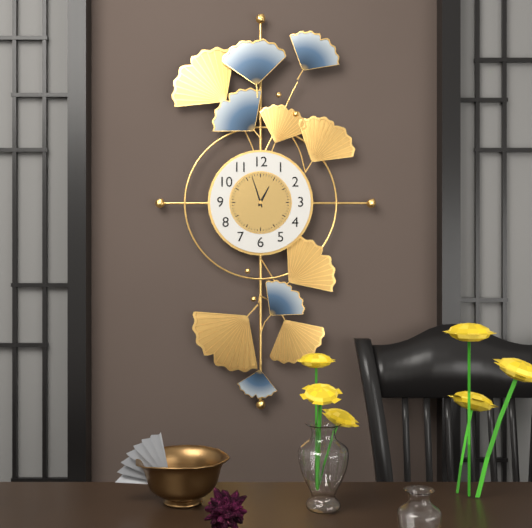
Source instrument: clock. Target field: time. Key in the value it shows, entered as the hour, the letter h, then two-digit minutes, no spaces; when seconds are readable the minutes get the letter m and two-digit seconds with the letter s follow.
12h57
